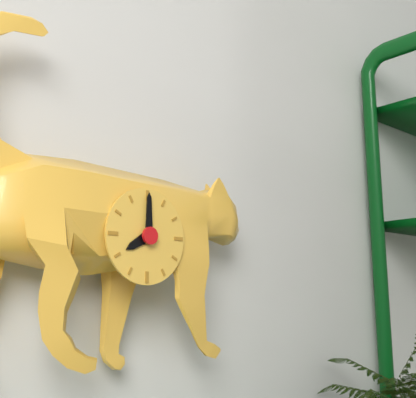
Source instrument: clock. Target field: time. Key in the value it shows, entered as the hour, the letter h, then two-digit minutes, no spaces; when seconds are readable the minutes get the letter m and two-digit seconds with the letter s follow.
8h00
